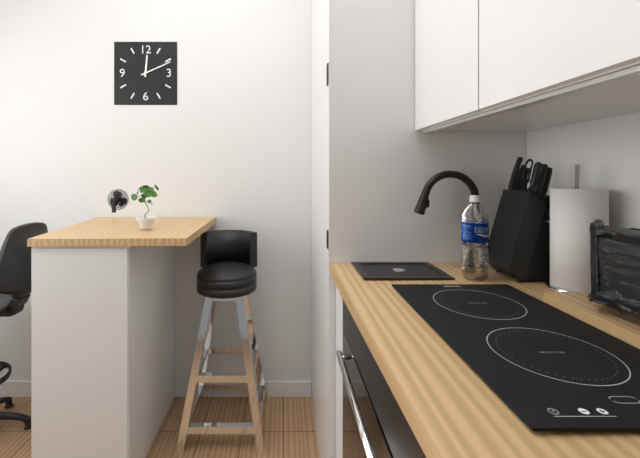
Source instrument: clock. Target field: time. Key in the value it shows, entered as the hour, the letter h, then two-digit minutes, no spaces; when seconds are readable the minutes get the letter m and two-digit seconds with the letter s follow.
12h11
